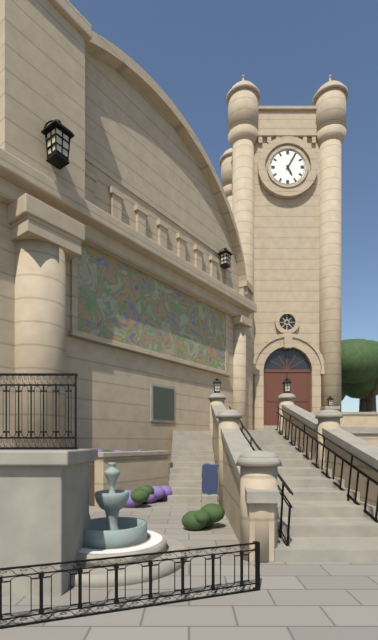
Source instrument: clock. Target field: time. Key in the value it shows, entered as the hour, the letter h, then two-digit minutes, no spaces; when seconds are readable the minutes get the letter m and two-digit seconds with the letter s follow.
5h05
